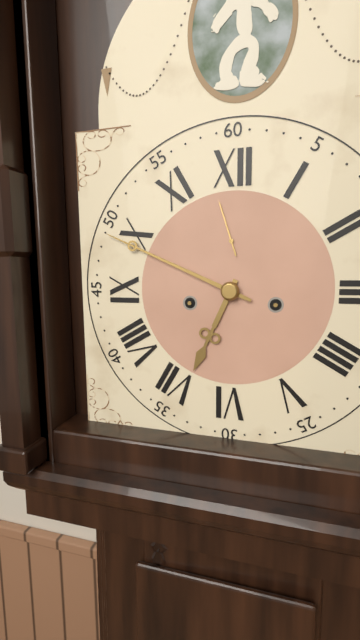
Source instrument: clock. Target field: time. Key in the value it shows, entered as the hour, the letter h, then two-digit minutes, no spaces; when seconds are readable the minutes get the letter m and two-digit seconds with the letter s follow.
6h49m57s
